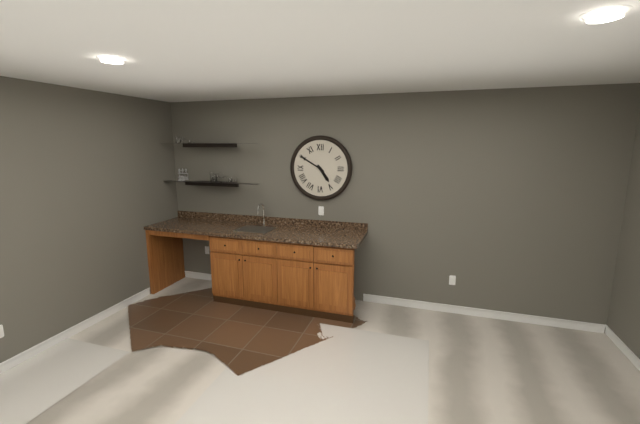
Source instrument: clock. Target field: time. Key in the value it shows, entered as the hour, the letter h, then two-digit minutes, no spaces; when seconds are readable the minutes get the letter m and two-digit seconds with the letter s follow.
4h50
